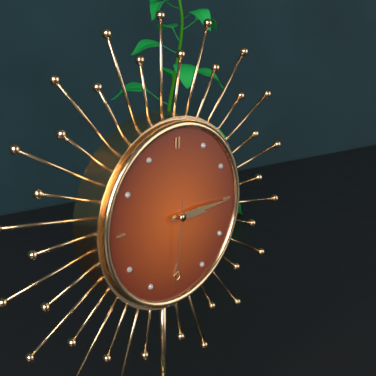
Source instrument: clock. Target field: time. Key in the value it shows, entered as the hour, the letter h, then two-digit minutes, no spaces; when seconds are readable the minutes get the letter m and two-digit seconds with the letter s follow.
3h15m31s
